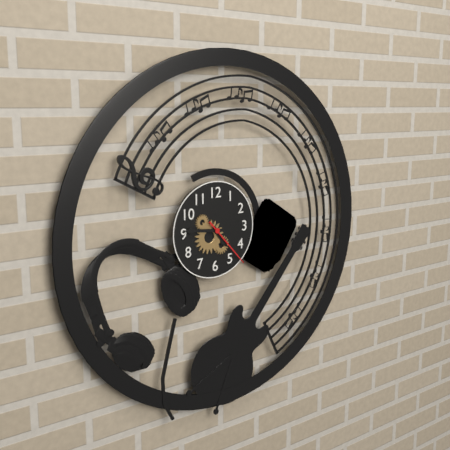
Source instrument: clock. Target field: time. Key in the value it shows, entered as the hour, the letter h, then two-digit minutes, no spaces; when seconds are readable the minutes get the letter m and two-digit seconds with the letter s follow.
4h46m23s
